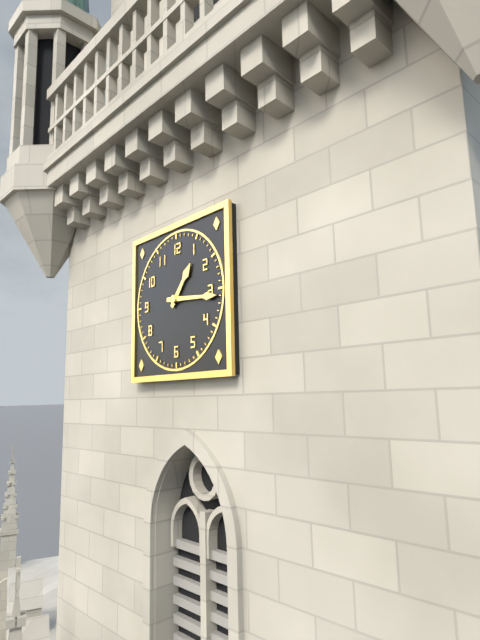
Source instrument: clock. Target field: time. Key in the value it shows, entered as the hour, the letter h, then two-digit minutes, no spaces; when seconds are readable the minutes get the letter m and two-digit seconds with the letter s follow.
1h16
